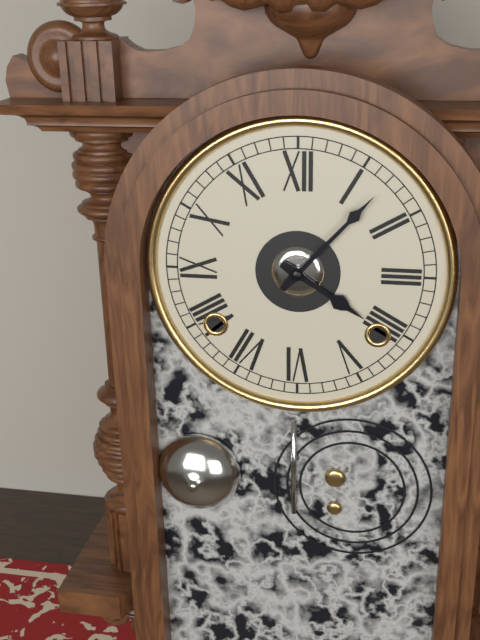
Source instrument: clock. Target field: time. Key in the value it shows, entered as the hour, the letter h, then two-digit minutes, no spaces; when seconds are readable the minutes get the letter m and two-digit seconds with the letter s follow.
4h07
